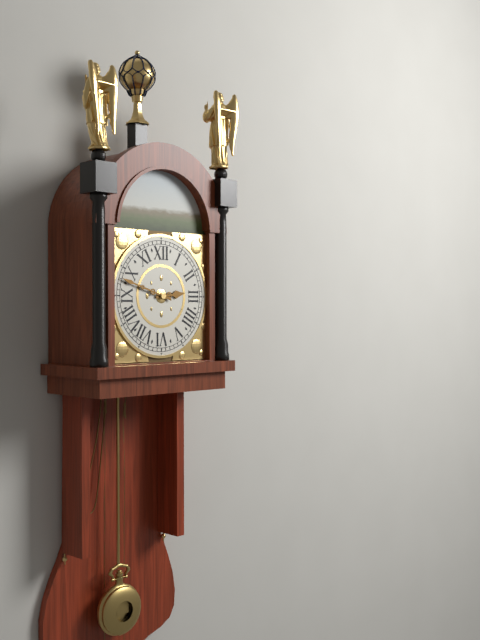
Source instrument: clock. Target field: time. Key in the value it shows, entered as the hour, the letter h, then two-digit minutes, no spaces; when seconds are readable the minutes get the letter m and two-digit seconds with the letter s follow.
2h48
